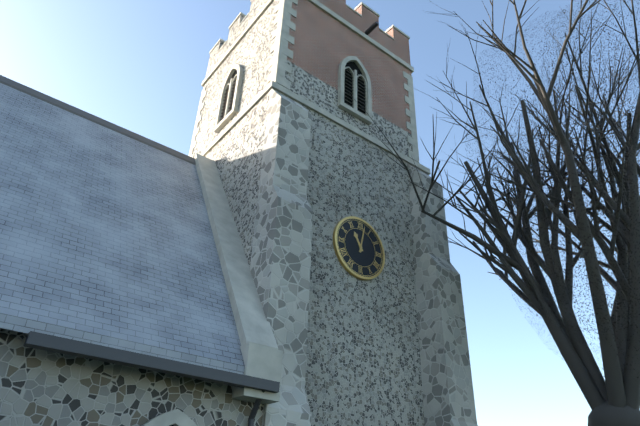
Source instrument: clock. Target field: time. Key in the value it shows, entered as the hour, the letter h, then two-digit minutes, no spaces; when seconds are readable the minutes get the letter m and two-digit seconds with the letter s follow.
11h02
